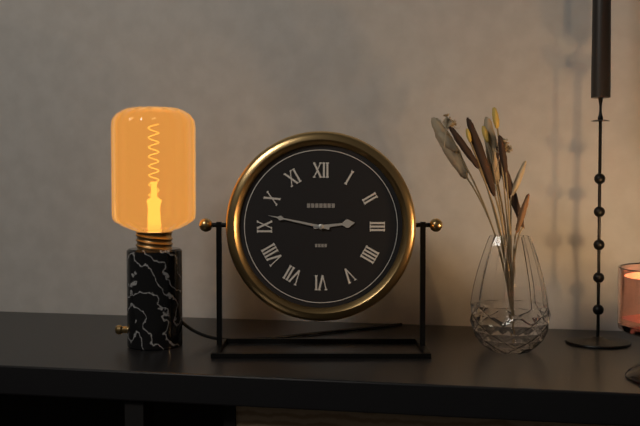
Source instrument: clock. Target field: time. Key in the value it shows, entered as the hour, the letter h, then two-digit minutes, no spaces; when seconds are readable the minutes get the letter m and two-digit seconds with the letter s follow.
2h47
